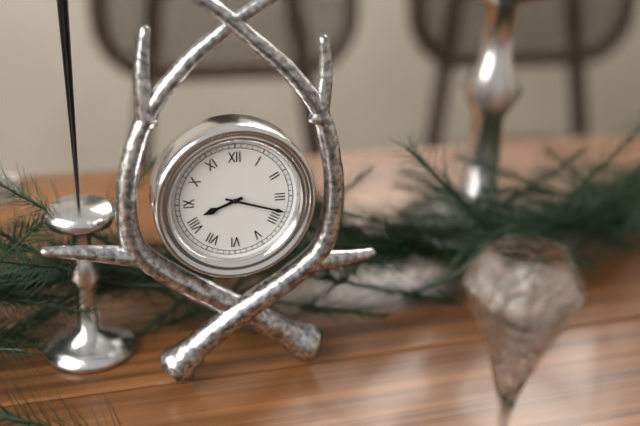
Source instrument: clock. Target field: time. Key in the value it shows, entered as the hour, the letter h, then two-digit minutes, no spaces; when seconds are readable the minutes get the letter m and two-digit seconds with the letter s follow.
8h18
